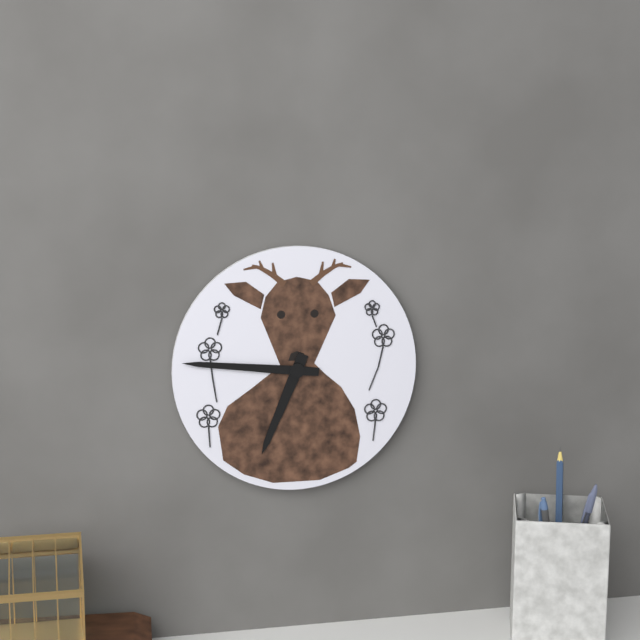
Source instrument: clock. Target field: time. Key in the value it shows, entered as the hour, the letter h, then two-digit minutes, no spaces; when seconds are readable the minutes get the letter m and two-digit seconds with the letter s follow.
6h46
